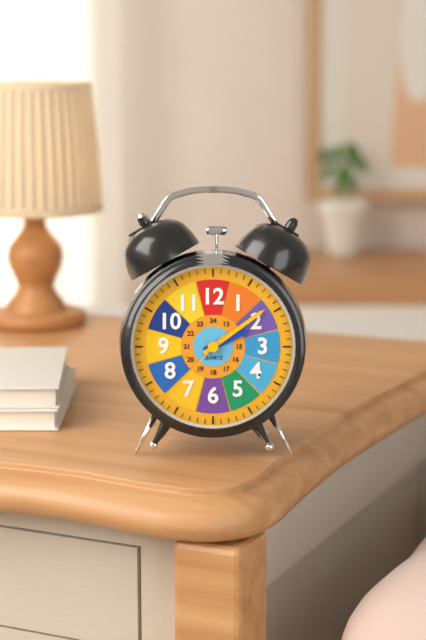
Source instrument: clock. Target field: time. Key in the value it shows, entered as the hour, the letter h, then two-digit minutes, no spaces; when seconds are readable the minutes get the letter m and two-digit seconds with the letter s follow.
2h09m37s
